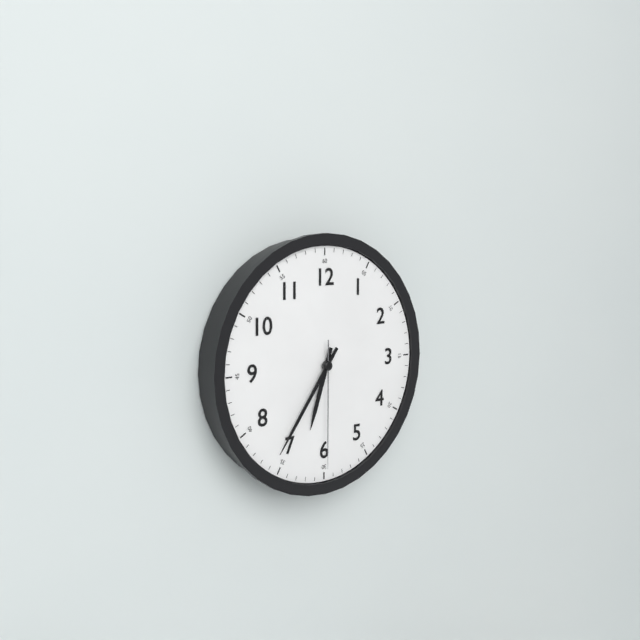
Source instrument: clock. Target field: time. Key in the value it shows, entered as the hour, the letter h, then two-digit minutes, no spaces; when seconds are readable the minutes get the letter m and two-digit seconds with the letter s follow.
6h36m30s
